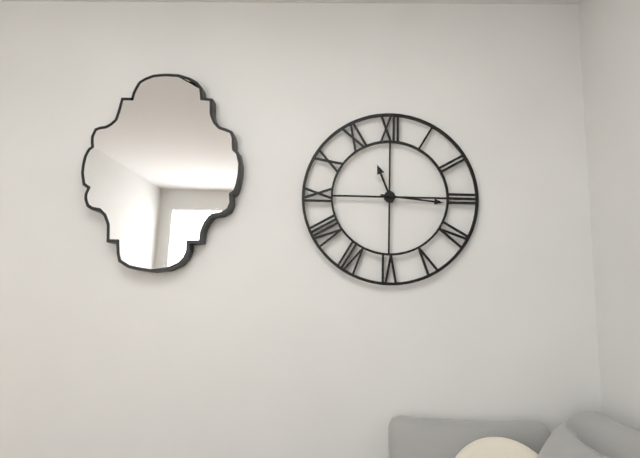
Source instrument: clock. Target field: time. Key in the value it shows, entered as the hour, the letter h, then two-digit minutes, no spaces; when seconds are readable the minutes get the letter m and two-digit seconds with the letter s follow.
11h16
